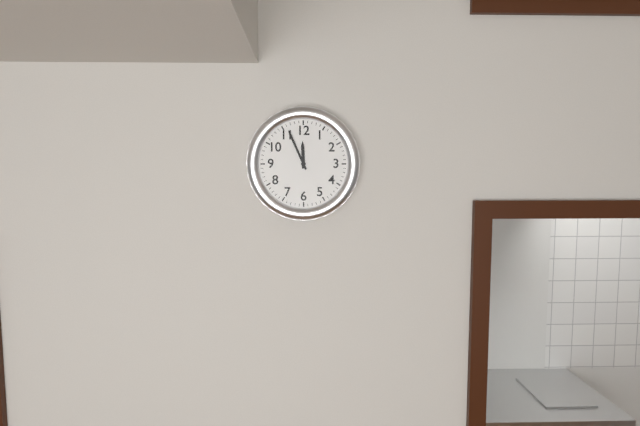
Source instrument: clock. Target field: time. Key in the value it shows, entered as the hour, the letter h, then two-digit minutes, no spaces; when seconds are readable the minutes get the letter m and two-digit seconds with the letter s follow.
11h56
